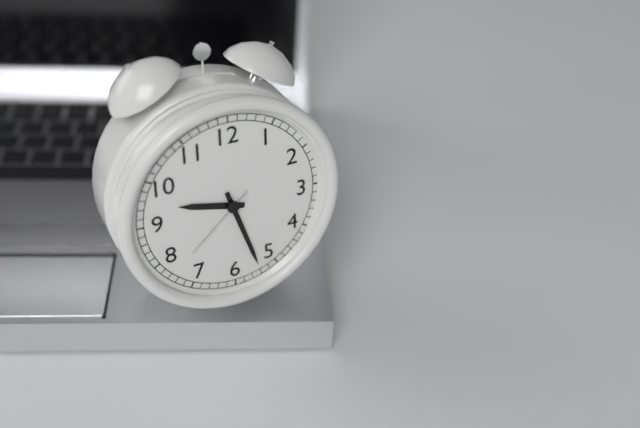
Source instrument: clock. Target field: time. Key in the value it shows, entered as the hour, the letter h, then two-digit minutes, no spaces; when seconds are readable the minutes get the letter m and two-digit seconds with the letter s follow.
9h27m38s
